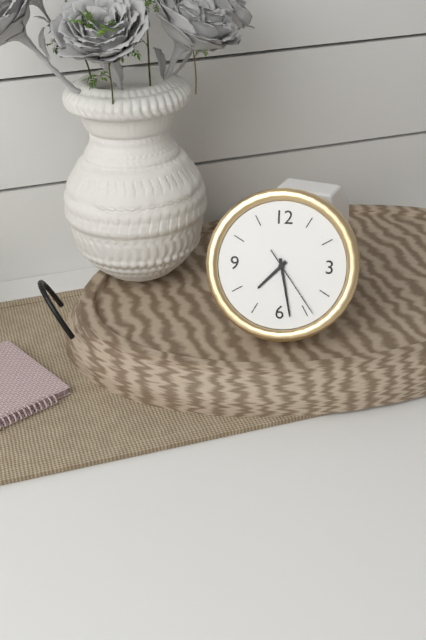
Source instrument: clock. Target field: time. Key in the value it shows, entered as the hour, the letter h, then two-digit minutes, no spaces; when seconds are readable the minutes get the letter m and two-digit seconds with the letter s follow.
7h28m24s
